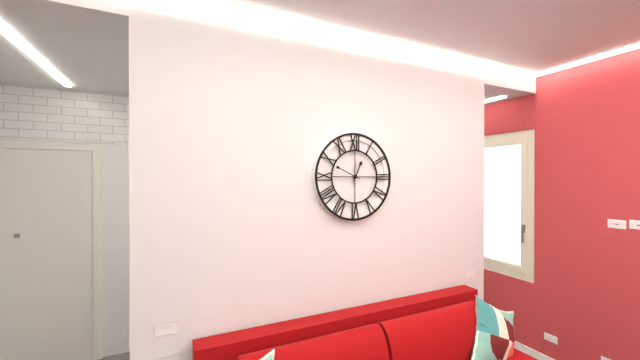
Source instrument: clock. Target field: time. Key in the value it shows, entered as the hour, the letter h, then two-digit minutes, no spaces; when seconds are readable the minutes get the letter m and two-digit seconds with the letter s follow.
12h49
